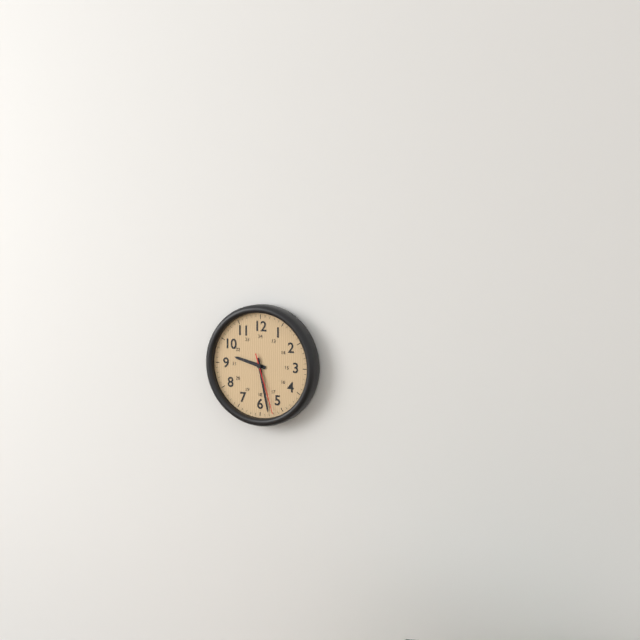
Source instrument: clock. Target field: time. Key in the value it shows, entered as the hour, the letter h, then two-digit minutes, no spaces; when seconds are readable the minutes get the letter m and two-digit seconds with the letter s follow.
9h28m27s
